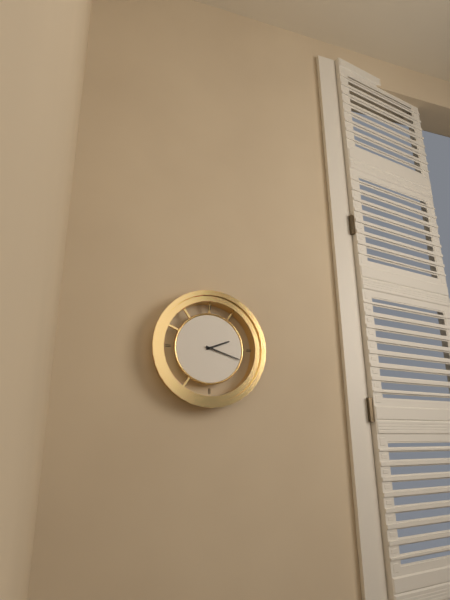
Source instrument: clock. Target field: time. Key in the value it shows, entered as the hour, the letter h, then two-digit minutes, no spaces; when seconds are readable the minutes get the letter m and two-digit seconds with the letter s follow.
2h18
